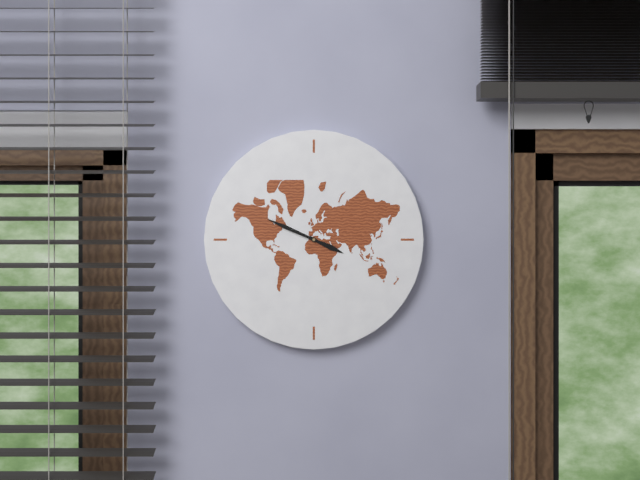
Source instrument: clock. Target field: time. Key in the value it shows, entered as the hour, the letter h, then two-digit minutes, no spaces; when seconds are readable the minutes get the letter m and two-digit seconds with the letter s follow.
3h49
